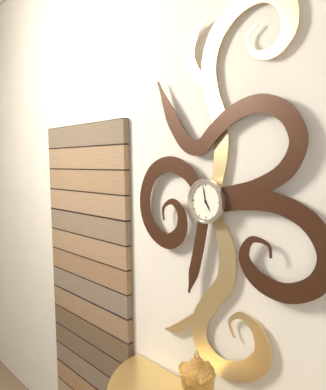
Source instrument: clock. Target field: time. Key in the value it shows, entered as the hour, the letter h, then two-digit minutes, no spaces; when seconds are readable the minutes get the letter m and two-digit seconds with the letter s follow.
4h58
